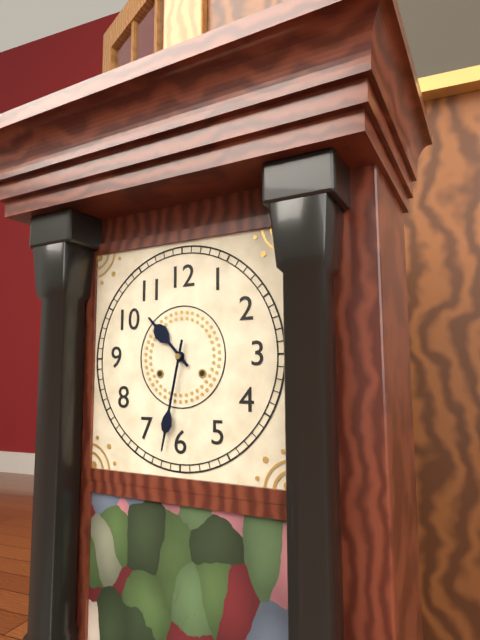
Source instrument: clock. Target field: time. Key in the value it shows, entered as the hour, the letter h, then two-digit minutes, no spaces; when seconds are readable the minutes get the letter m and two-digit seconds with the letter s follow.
10h32
